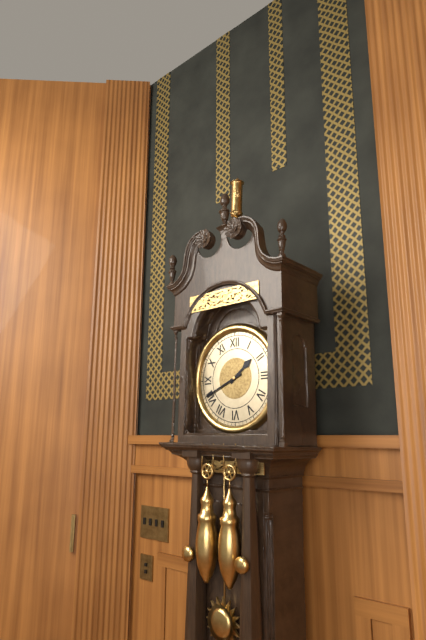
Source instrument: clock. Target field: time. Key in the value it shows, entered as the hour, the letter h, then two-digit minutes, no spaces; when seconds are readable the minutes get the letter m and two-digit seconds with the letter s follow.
1h41
